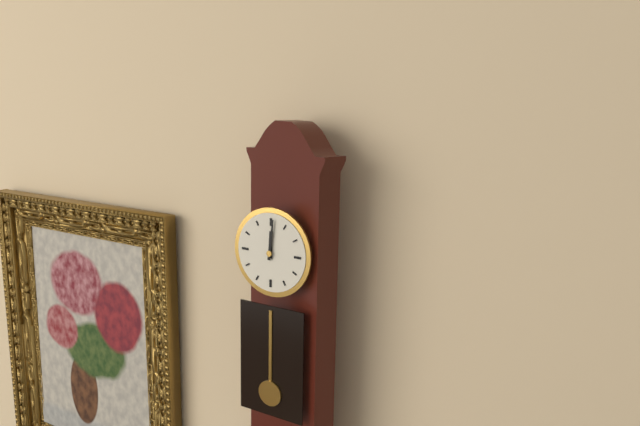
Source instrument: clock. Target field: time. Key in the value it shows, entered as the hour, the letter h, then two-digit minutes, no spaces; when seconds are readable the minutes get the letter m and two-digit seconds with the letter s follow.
12h01
